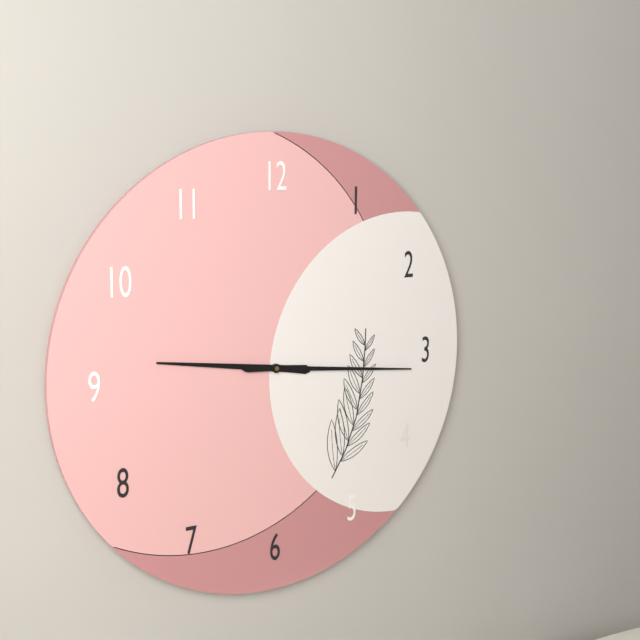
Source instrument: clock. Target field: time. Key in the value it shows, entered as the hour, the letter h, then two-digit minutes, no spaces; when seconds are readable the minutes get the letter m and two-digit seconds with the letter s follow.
9h16
